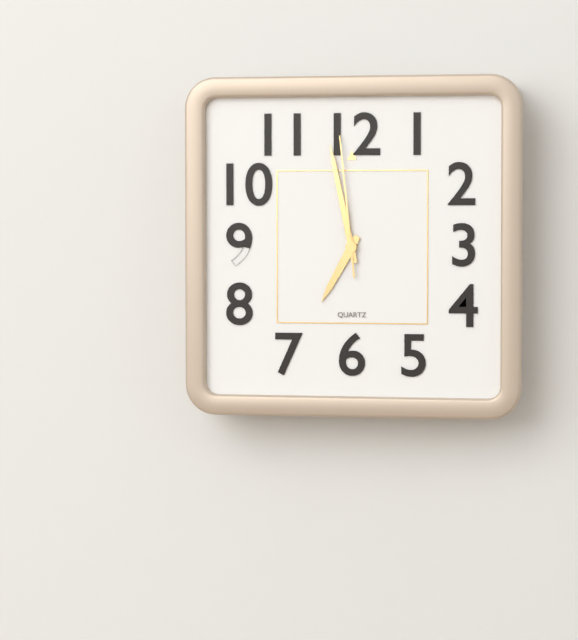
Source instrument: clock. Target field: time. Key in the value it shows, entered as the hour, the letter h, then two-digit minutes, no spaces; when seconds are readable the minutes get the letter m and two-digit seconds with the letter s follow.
6h58m59s
